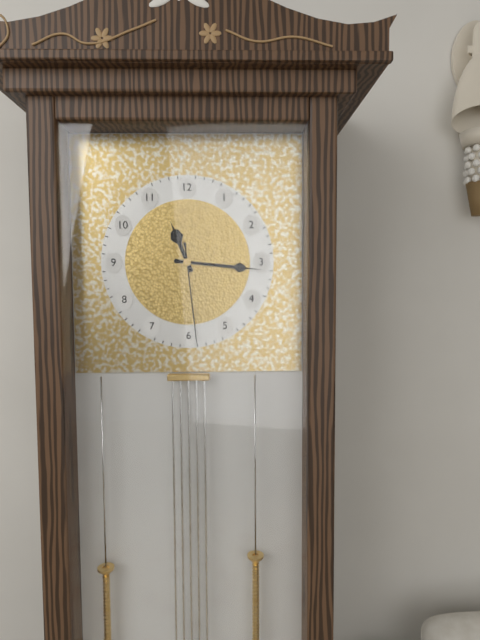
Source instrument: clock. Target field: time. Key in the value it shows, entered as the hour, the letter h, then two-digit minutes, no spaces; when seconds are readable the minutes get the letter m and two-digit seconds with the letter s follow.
11h16m29s
